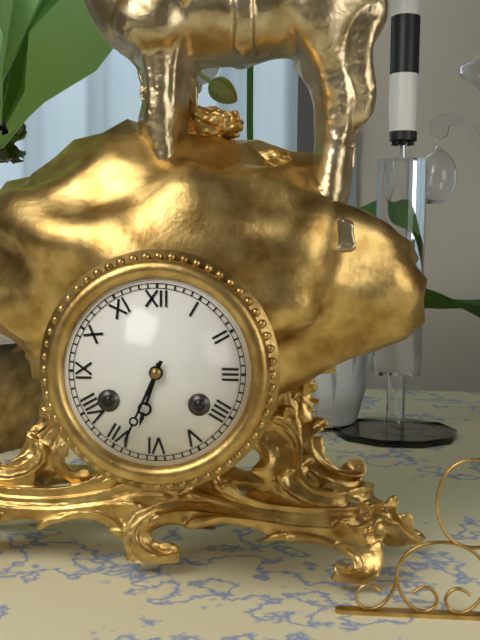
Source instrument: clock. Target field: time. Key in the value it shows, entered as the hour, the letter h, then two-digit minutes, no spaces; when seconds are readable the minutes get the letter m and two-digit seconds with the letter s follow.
6h34
